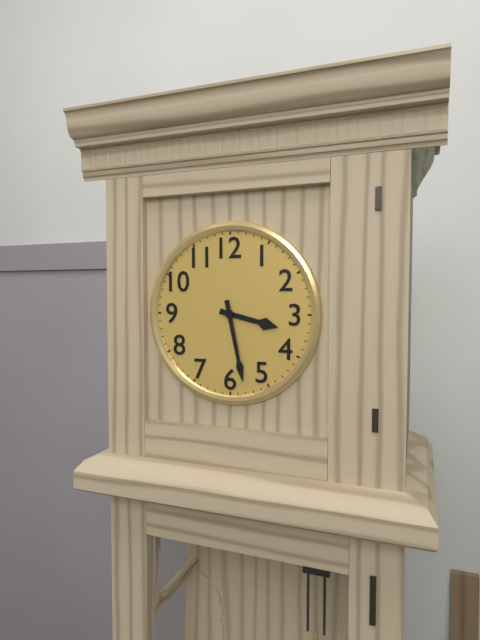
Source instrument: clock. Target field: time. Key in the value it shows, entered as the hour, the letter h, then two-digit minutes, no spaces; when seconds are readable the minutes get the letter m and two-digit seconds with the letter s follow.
3h28
